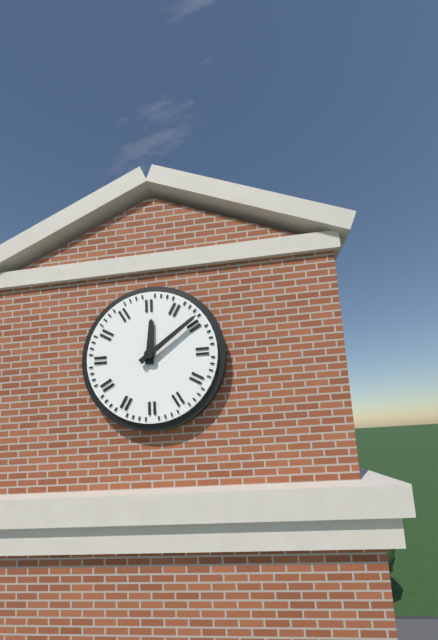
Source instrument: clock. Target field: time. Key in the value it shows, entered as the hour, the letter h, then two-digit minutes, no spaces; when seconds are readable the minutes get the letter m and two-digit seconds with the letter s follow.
12h09
